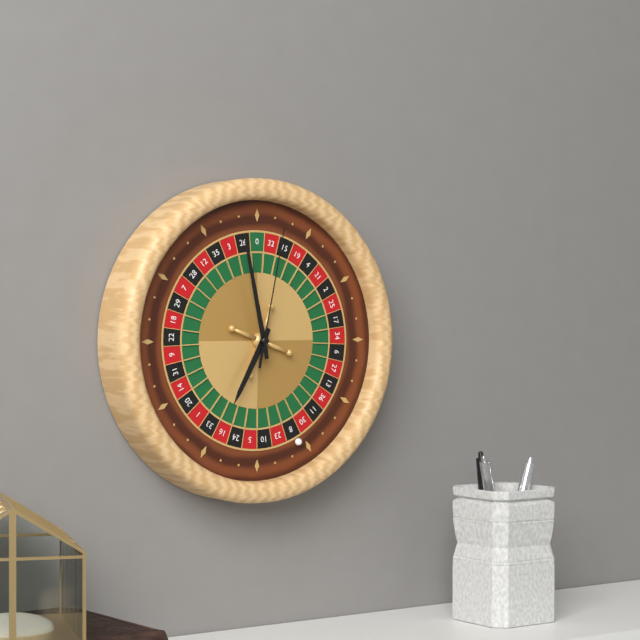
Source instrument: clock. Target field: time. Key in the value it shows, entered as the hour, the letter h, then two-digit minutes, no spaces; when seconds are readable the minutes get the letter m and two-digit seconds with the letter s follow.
6h58m02s
